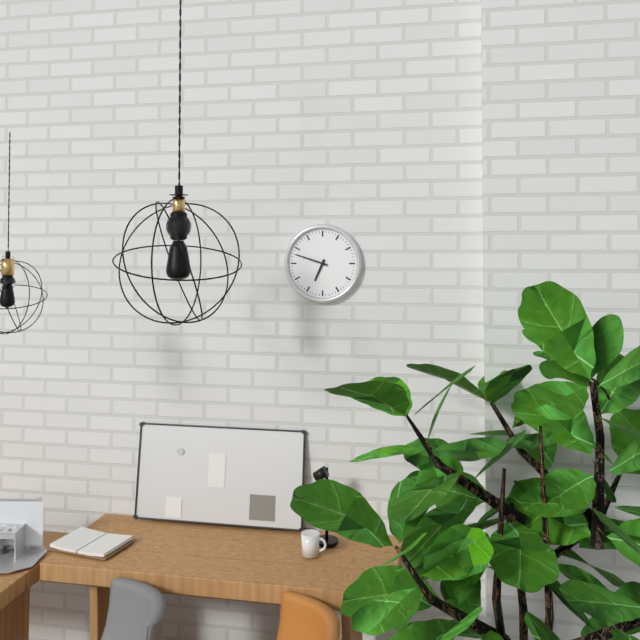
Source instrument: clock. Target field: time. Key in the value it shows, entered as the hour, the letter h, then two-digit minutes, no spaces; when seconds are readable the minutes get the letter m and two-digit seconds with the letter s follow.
6h48
